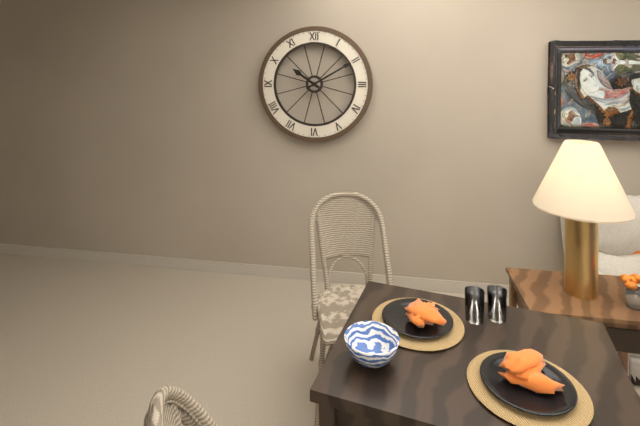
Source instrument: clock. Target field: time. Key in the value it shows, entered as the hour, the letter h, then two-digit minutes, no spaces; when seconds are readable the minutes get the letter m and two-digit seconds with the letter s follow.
10h10
